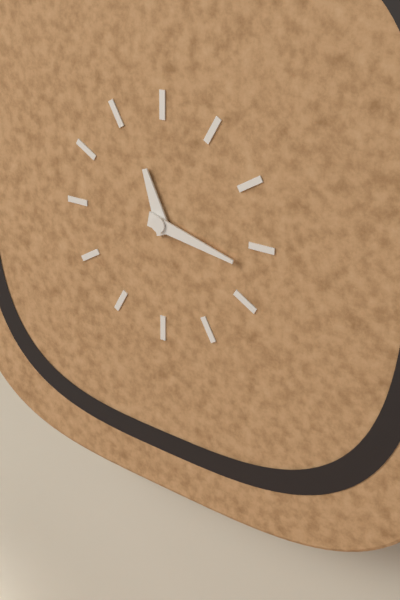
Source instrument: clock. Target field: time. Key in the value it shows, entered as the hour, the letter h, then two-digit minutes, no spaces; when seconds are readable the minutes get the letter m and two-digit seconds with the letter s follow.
11h17
